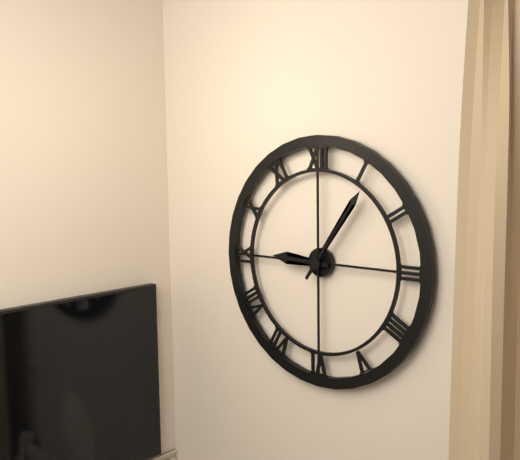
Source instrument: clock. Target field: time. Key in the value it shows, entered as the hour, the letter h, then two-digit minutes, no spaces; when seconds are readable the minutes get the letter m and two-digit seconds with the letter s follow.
9h06
